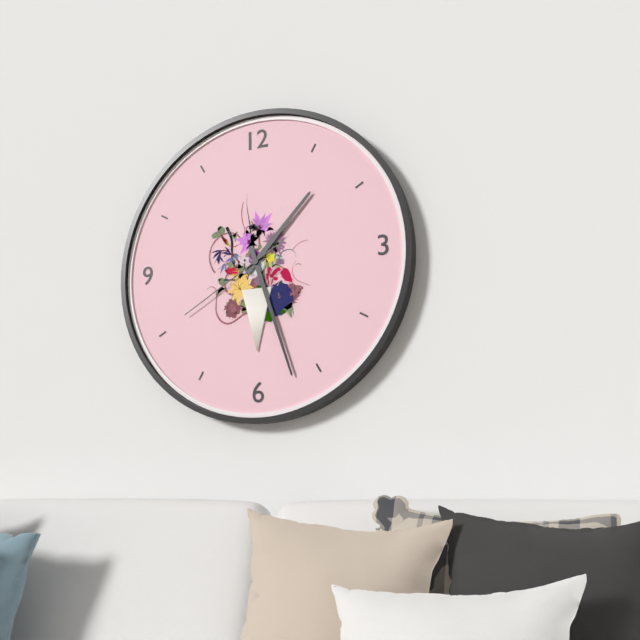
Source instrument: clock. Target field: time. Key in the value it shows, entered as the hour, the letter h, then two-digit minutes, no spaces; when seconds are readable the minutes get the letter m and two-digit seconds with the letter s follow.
1h27m40s
